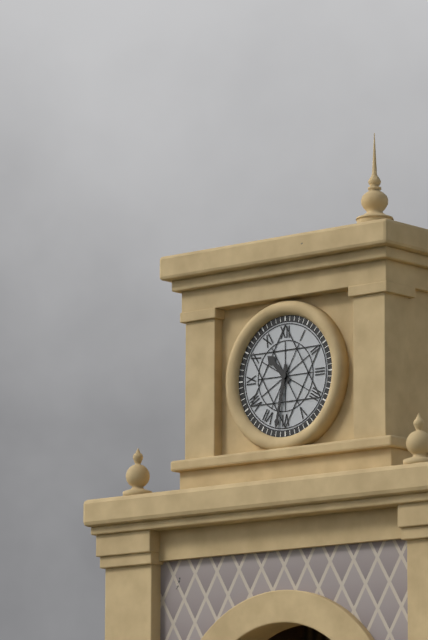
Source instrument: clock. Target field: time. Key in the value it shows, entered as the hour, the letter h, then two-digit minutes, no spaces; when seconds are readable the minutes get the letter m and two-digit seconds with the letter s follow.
10h32
